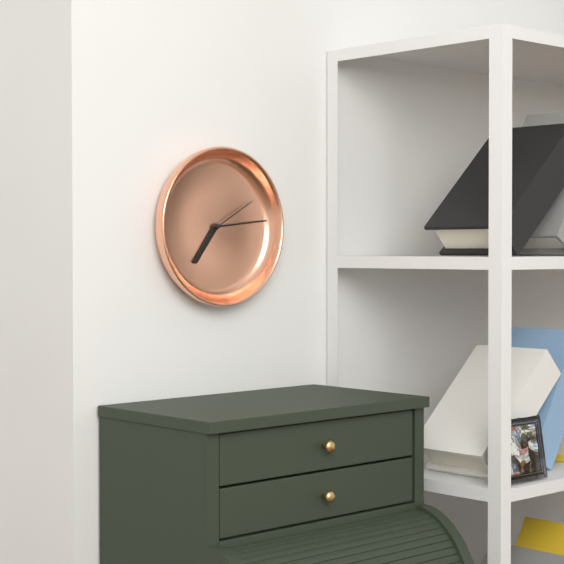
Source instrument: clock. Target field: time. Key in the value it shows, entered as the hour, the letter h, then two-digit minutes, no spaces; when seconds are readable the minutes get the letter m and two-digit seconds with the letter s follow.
7h14m10s
